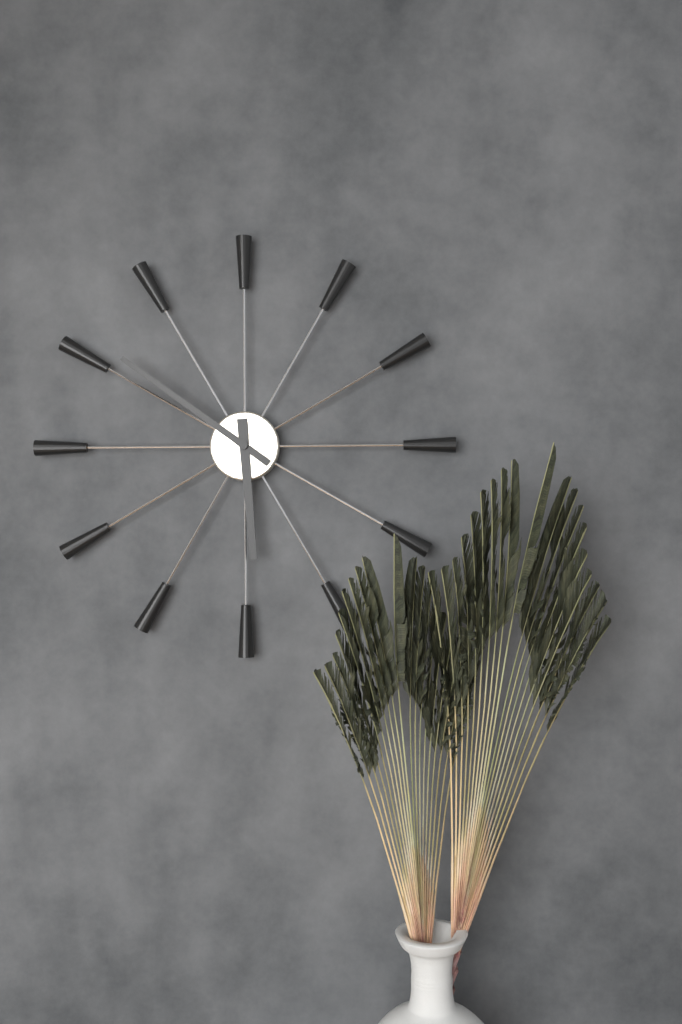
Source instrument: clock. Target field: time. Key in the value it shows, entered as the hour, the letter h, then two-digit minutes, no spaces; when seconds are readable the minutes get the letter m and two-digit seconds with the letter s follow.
5h51
